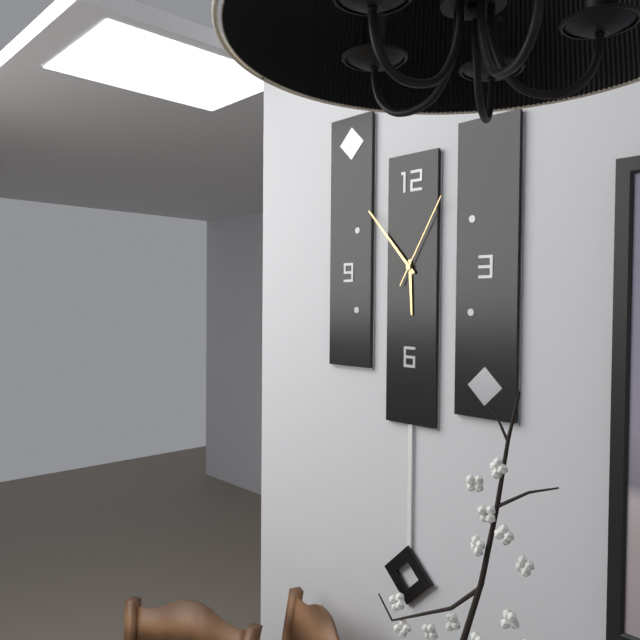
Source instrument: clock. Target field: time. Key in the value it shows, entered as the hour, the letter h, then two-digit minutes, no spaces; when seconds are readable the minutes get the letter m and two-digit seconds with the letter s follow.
5h53m05s
